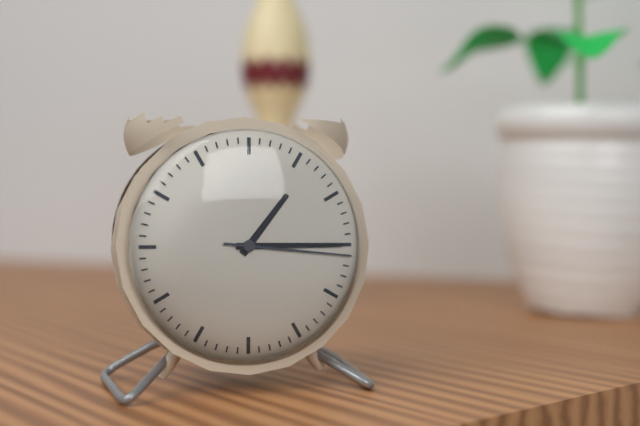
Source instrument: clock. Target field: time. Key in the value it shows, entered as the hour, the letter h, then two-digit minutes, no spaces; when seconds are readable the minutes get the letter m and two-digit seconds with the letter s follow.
1h15m16s
